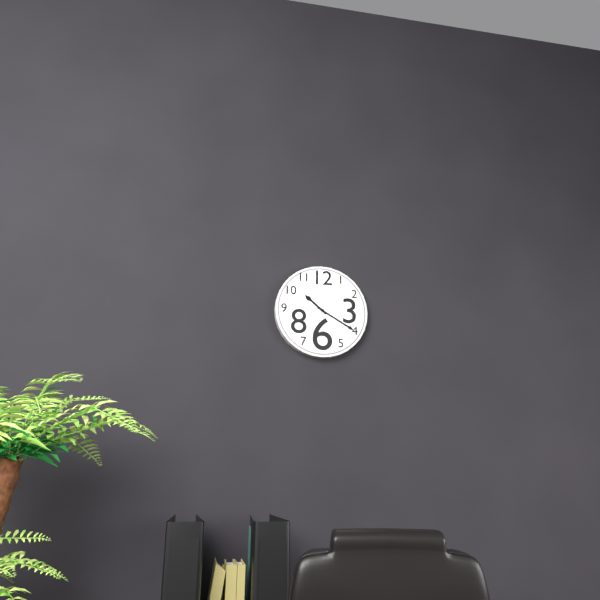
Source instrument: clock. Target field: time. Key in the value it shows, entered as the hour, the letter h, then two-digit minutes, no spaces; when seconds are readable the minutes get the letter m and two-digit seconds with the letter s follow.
10h20
